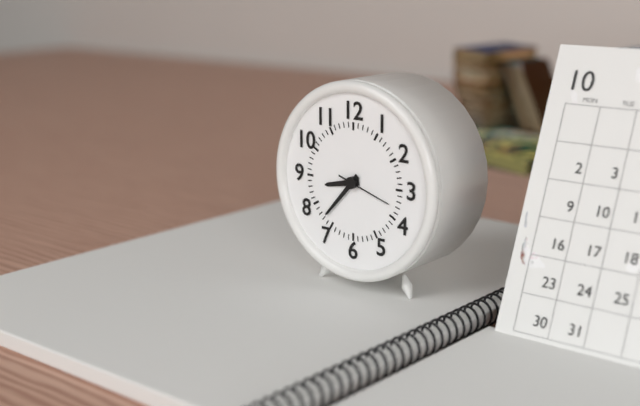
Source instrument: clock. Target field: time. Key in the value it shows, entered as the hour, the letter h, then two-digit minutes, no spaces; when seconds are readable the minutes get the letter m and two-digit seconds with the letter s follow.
8h37m18s
